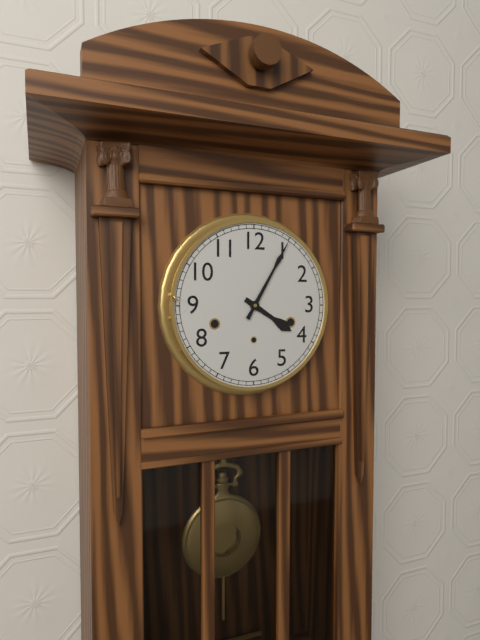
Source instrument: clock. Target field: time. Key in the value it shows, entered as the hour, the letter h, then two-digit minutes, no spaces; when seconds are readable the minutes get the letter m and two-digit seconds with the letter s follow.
4h05
